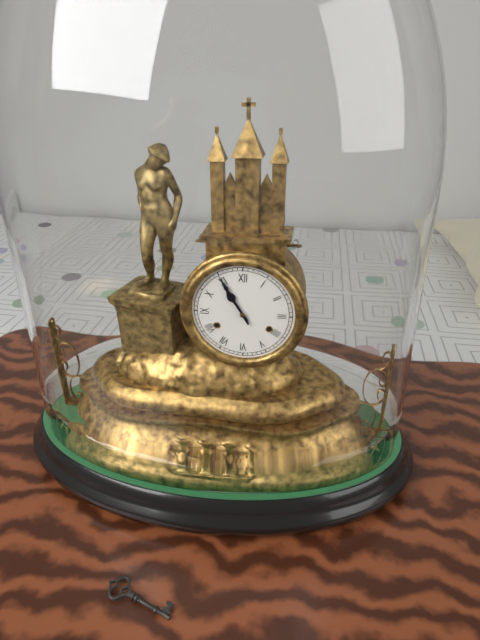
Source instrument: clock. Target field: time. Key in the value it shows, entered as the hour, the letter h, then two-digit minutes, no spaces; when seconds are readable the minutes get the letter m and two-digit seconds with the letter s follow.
10h55
